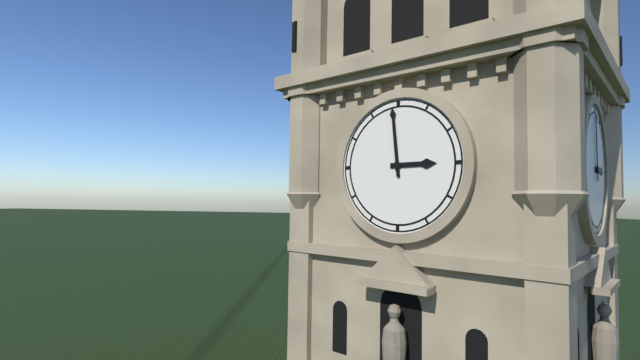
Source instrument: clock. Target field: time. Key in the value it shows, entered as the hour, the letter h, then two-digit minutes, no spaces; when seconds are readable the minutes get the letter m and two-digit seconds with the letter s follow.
2h59
